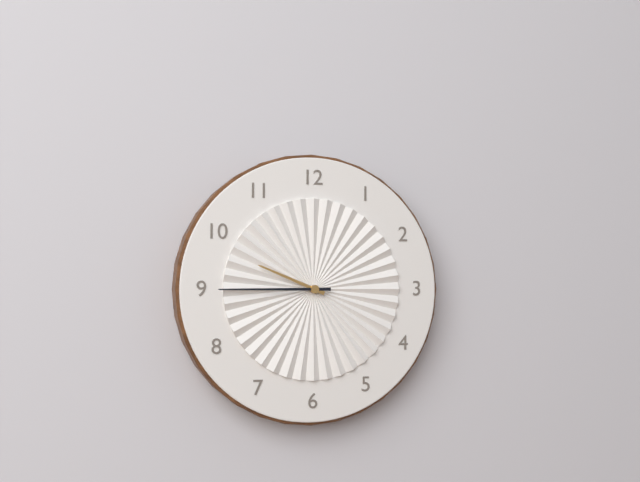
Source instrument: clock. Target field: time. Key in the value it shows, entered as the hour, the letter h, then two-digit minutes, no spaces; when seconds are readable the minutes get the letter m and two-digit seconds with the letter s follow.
9h45
